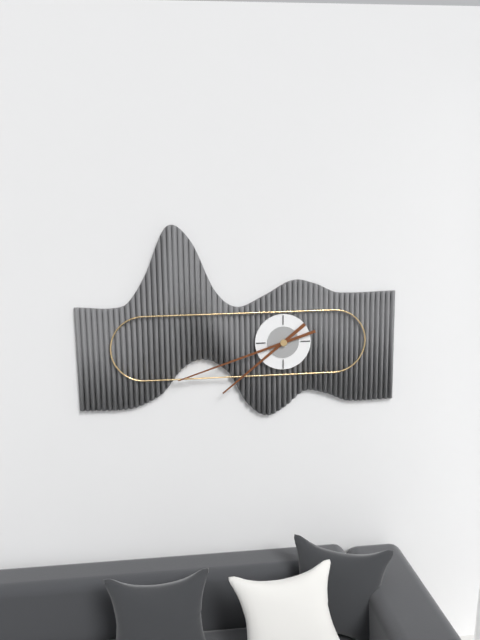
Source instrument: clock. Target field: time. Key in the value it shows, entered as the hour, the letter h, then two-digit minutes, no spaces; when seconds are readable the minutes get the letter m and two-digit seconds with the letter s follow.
7h42
